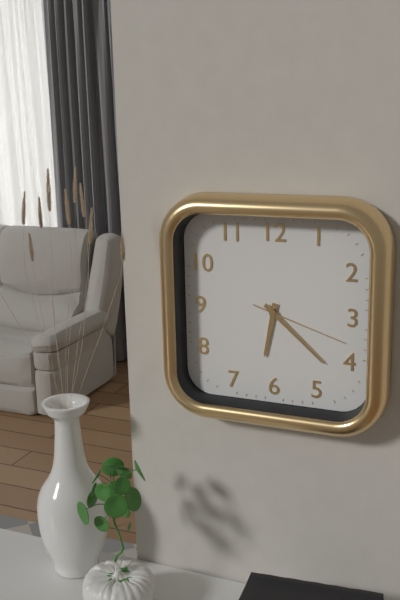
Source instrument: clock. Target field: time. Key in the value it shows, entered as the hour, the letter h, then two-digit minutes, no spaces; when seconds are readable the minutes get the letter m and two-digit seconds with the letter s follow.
6h22m18s
